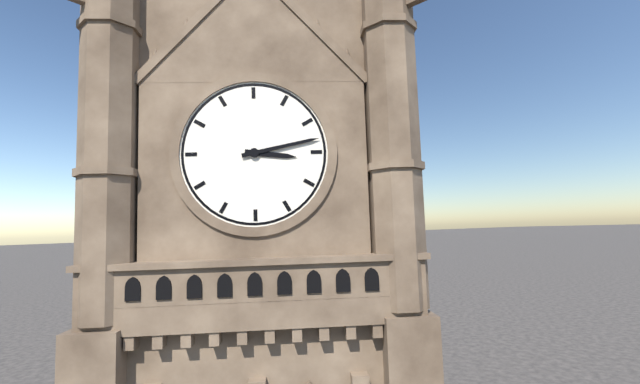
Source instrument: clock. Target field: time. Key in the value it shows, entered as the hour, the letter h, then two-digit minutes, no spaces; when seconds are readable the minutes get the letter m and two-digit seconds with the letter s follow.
3h13
